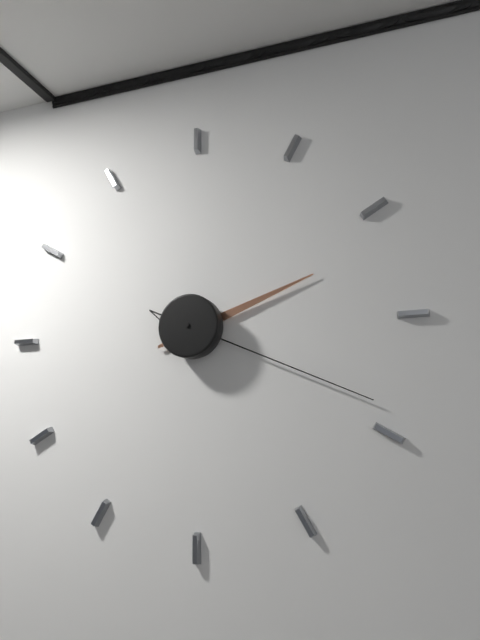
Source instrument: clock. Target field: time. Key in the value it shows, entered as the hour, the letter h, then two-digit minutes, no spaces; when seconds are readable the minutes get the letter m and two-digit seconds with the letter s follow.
2h19
